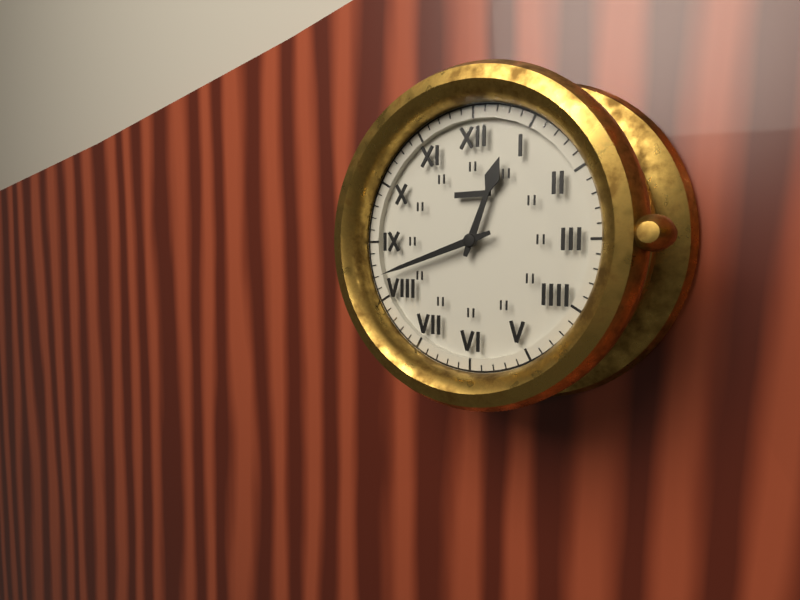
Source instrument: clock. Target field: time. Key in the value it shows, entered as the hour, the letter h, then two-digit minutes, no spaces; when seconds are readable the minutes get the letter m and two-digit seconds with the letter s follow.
12h42
